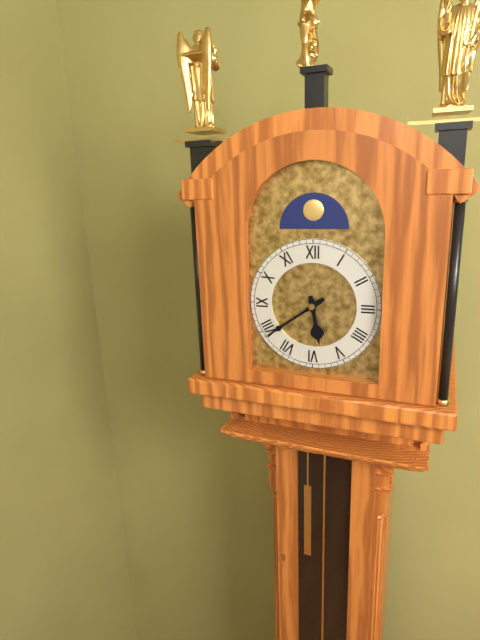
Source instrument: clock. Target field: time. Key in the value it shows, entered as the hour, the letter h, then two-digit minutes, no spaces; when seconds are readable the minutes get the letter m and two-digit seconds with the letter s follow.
5h39
